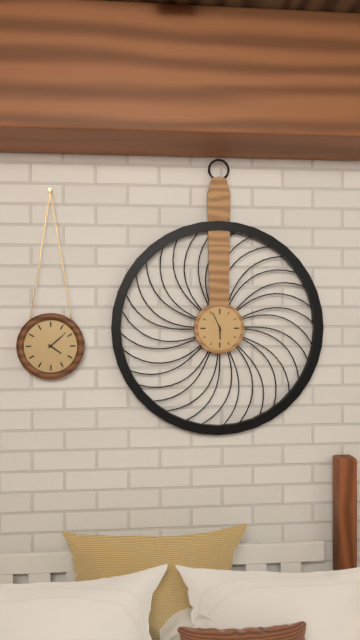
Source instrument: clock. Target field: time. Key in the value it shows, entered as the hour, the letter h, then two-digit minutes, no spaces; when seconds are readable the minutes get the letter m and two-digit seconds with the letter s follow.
5h56
